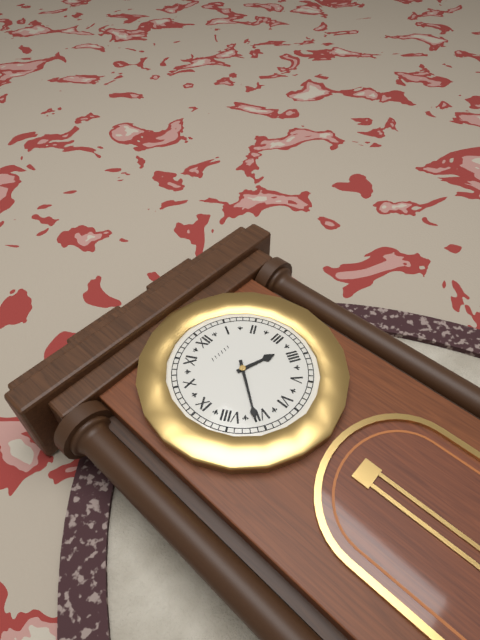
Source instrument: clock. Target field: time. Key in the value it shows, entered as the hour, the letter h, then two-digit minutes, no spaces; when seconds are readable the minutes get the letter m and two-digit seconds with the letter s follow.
3h36
